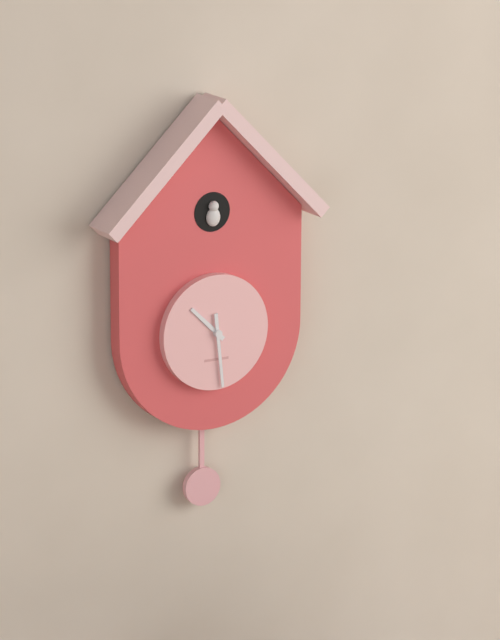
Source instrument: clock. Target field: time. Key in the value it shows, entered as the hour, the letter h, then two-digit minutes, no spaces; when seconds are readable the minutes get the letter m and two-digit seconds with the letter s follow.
10h29
